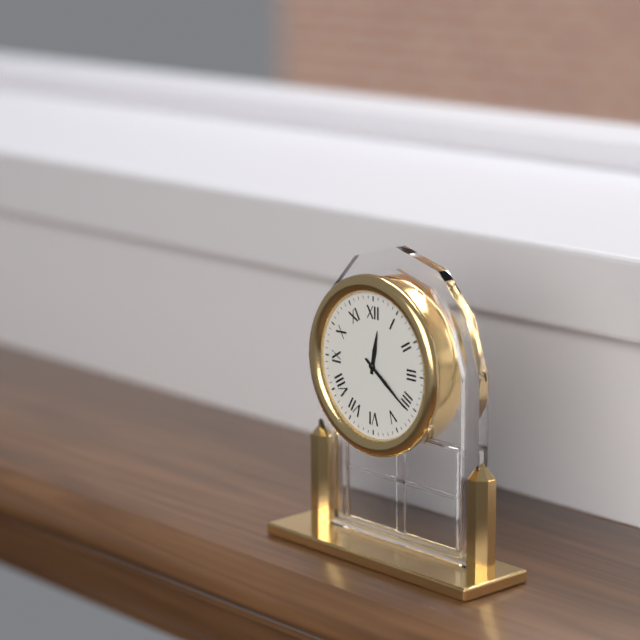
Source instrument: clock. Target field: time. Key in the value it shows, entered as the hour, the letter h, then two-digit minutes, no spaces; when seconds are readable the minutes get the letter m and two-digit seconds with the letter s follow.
12h21
